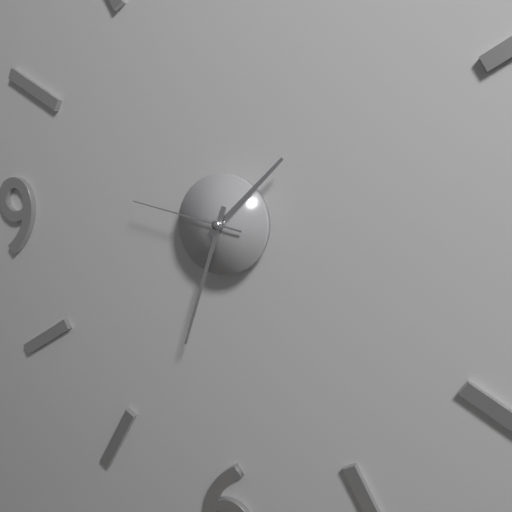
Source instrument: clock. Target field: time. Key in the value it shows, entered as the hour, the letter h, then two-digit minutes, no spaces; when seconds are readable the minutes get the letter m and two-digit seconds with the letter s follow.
1h33m47s
